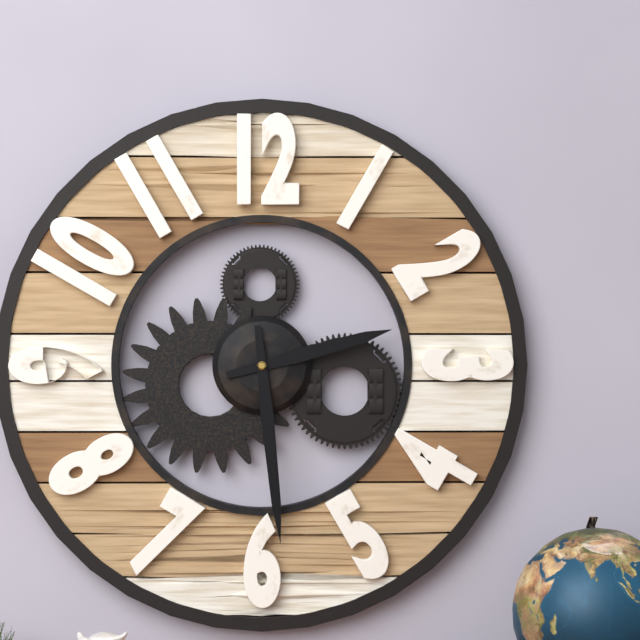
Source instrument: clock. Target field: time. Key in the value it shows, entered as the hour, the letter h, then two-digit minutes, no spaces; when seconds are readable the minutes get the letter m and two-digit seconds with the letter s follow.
2h29
